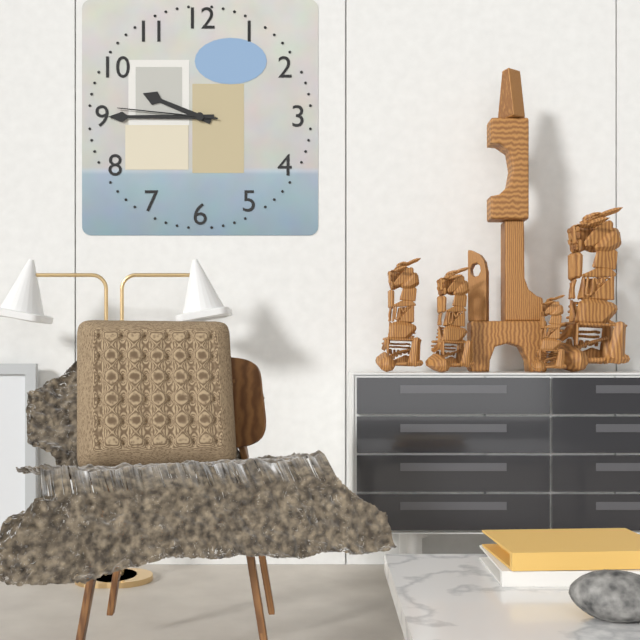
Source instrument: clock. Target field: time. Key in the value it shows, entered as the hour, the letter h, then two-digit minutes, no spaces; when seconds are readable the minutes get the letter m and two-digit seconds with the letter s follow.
9h45m46s
